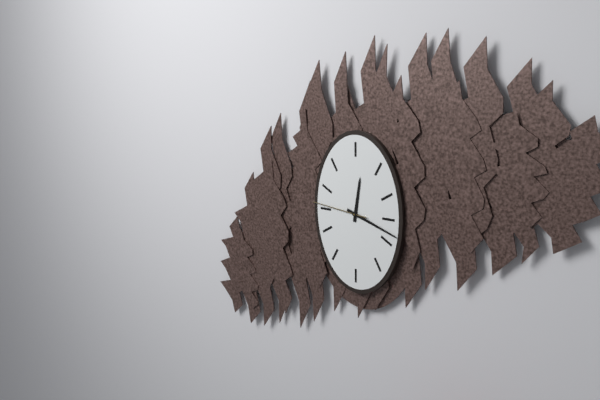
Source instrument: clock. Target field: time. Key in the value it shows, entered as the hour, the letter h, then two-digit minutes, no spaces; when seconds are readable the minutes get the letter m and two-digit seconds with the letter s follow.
12h18m46s
